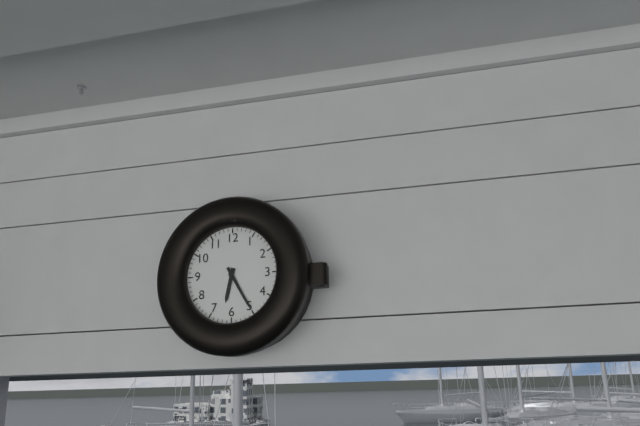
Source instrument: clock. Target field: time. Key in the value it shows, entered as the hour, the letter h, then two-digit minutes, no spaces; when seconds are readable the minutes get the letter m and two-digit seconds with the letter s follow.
6h25
